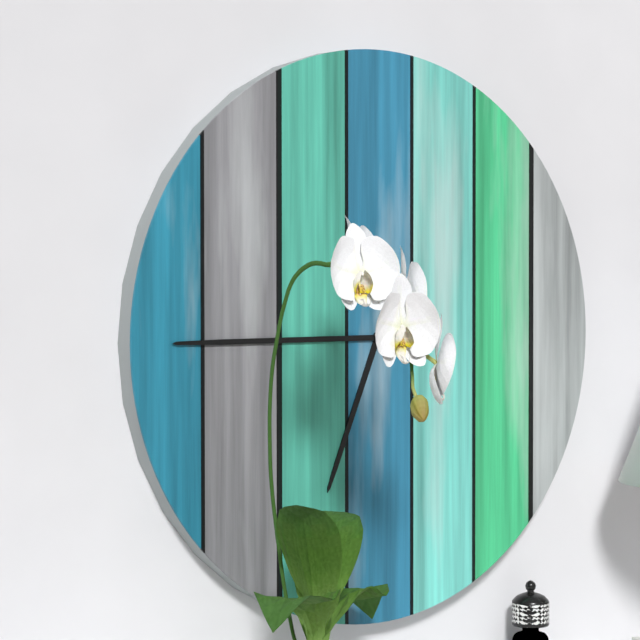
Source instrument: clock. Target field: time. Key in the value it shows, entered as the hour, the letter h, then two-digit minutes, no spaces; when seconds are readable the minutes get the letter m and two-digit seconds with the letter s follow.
6h45
